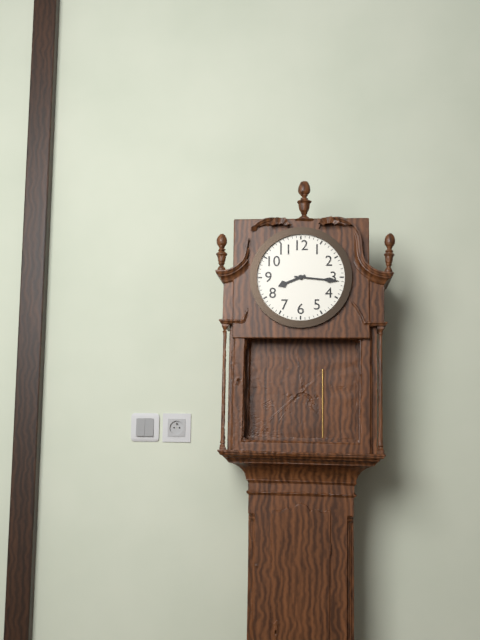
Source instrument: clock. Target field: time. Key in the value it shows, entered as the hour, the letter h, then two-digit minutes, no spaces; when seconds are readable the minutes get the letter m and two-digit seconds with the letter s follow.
8h16
